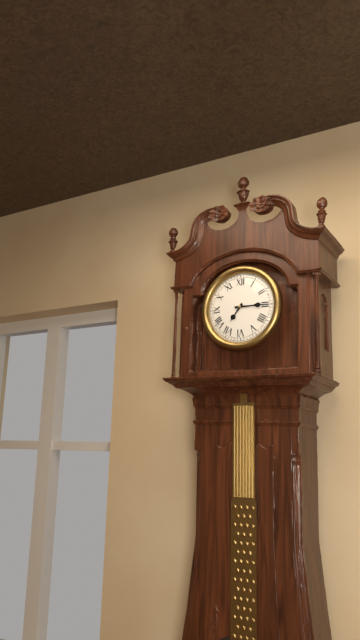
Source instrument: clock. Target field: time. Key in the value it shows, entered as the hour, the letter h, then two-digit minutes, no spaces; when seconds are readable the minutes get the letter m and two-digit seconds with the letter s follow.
7h15
